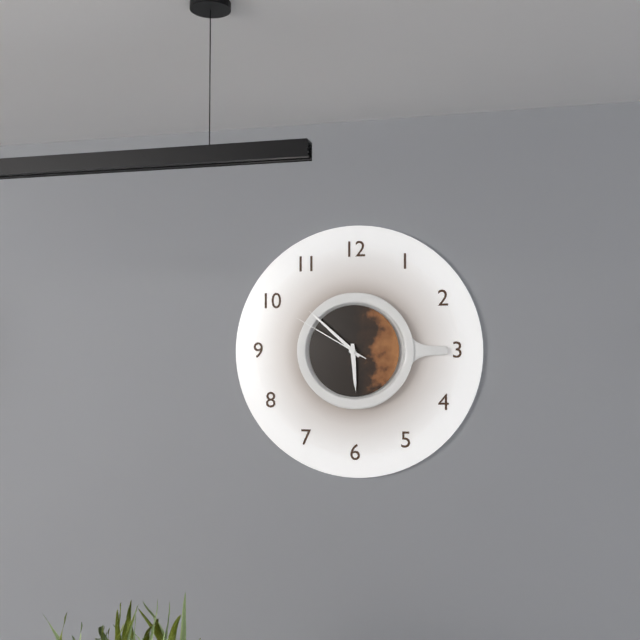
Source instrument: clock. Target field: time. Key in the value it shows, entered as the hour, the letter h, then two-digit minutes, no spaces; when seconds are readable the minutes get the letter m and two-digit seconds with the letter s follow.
5h52m50s
